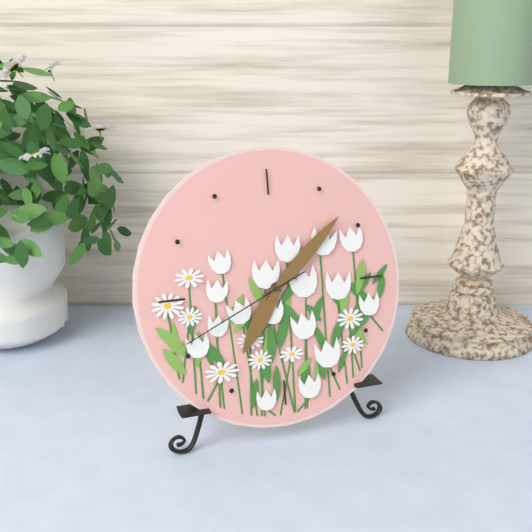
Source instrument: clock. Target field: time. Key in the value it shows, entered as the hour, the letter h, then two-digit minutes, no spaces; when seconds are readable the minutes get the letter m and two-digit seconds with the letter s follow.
7h08m41s
